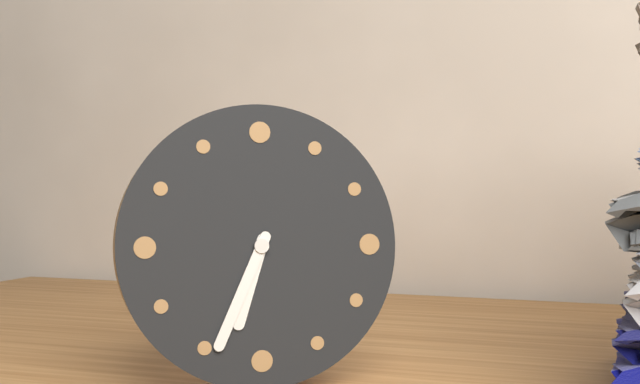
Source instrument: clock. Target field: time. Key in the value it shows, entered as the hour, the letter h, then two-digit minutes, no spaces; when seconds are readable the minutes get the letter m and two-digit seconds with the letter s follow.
6h34
